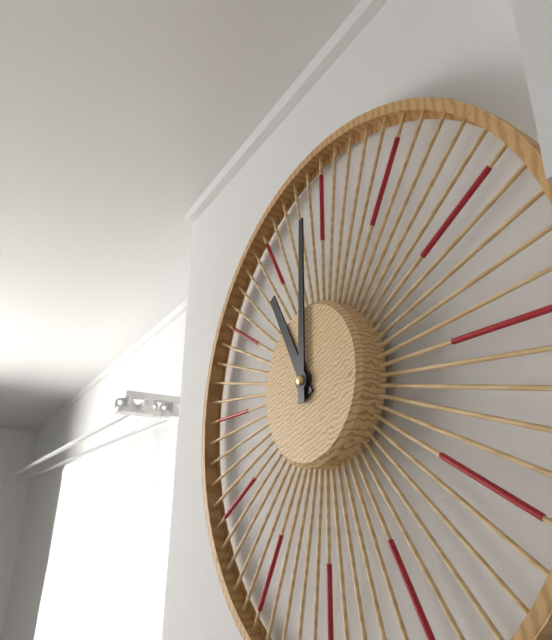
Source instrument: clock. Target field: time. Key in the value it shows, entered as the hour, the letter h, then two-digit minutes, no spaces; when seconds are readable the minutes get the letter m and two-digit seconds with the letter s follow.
11h00
